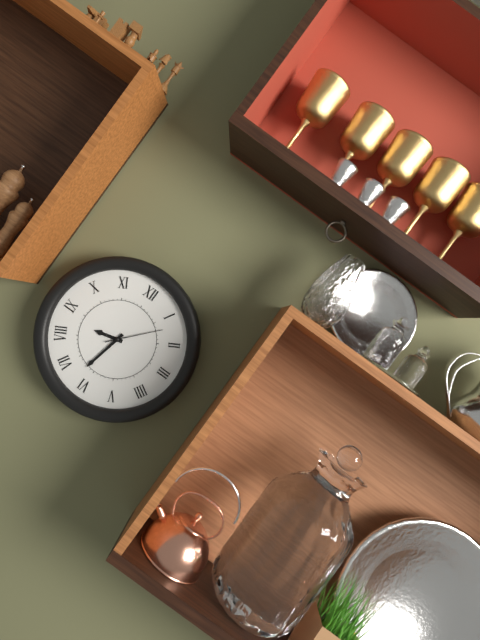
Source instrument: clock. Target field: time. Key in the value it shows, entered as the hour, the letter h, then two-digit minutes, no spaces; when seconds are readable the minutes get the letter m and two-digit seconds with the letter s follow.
8h32m07s
